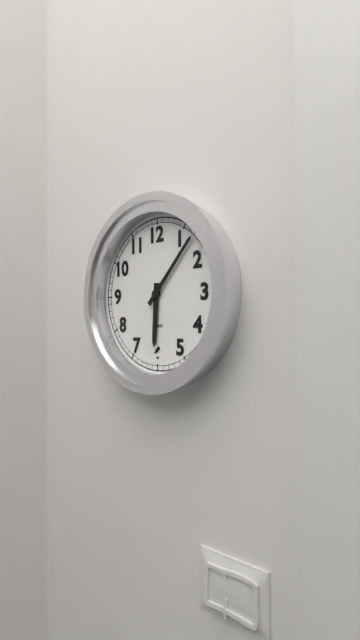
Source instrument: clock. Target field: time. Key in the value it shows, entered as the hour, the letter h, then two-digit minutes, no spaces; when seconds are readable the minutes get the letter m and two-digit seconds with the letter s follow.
6h07
